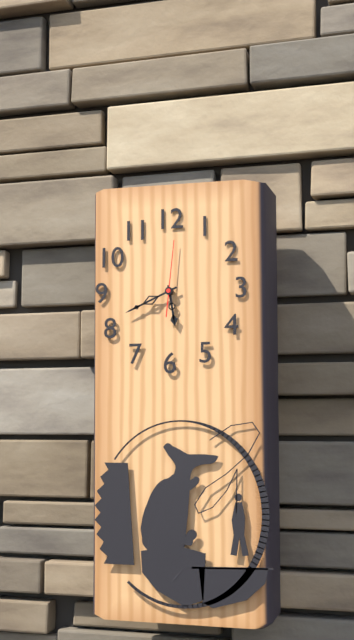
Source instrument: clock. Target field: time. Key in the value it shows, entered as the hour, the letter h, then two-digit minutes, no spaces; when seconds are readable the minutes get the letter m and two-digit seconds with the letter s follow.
5h41m01s
